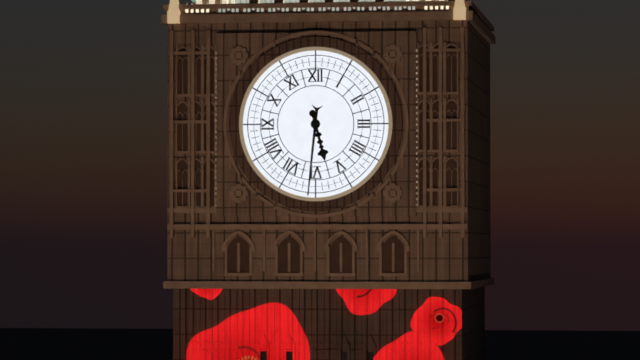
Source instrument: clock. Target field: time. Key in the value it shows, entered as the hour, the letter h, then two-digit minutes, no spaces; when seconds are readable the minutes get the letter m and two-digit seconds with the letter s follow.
5h31
